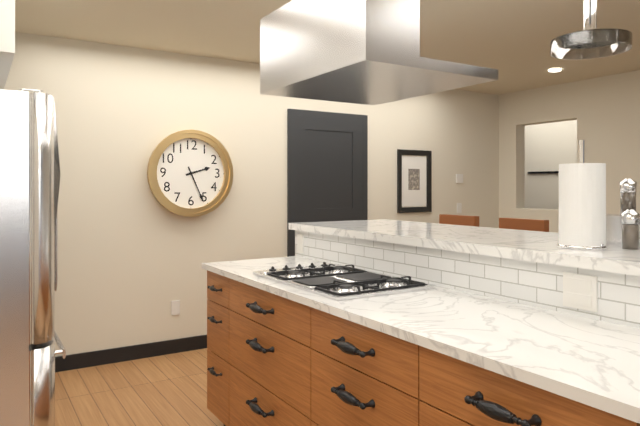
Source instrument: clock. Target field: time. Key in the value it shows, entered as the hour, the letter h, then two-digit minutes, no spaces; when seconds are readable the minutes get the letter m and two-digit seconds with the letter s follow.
2h26
